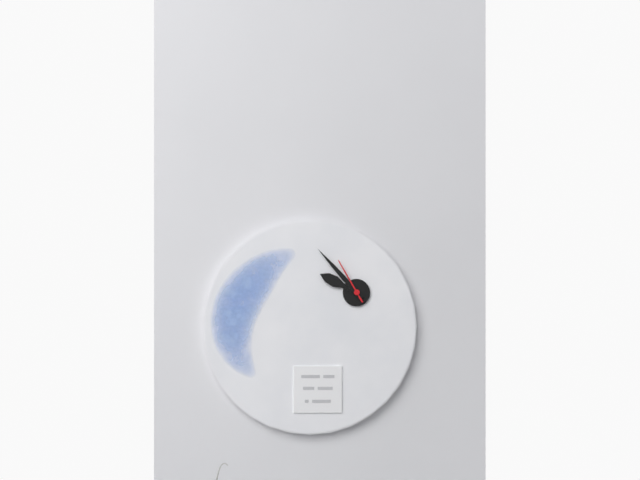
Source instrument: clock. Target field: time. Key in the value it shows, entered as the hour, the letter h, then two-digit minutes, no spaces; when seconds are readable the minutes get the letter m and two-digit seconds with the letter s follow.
9h53
